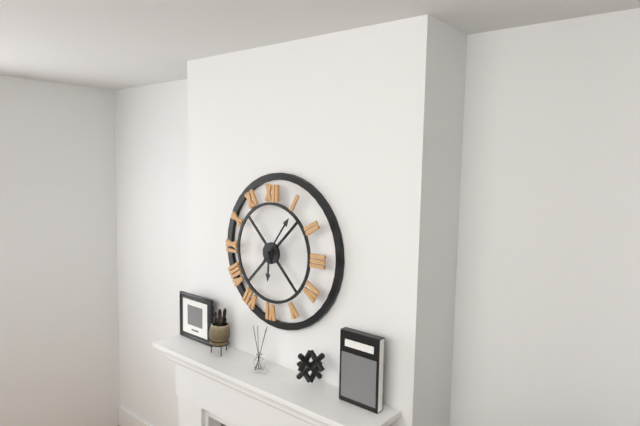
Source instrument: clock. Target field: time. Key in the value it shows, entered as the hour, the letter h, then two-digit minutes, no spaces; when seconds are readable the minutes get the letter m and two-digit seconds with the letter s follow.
6h06
